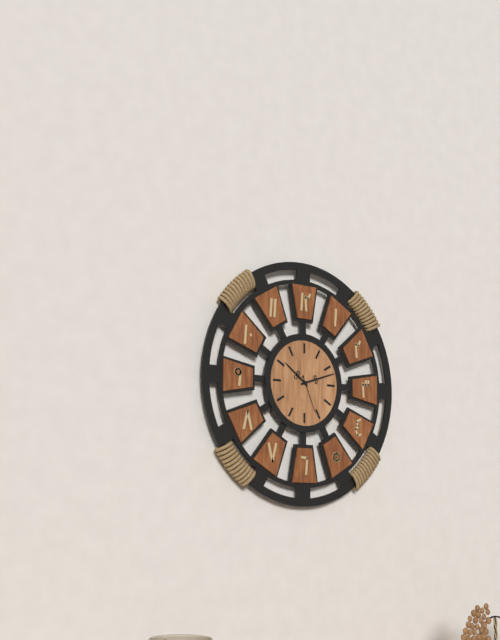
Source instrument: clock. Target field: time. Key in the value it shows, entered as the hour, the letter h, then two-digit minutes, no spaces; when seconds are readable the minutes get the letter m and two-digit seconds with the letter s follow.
10h12
